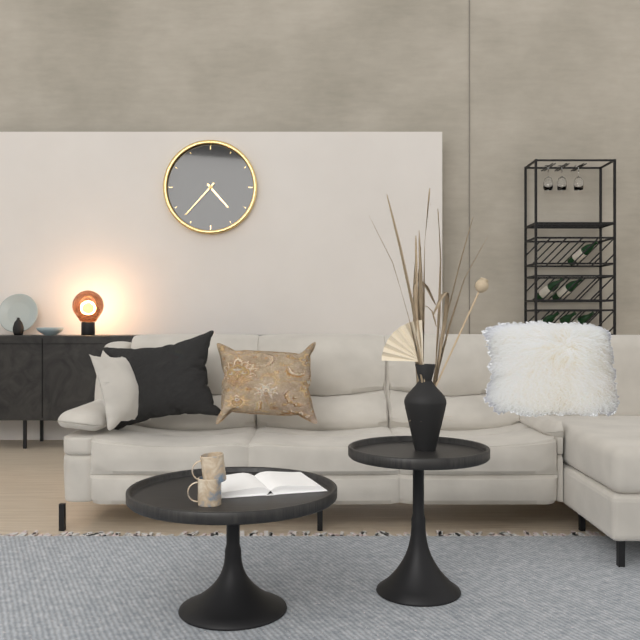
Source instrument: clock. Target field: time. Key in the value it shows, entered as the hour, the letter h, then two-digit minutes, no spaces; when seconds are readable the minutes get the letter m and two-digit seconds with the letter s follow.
4h37
